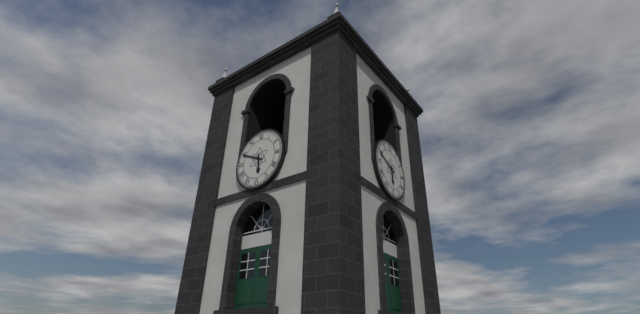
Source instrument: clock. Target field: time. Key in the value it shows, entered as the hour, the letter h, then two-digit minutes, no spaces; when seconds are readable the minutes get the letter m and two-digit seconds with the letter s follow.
5h49
